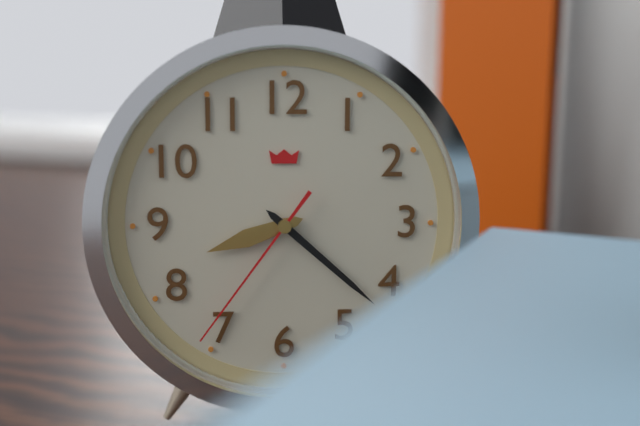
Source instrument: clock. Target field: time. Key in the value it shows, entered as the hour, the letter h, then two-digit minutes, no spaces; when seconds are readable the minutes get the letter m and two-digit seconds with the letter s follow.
8h22m36s
